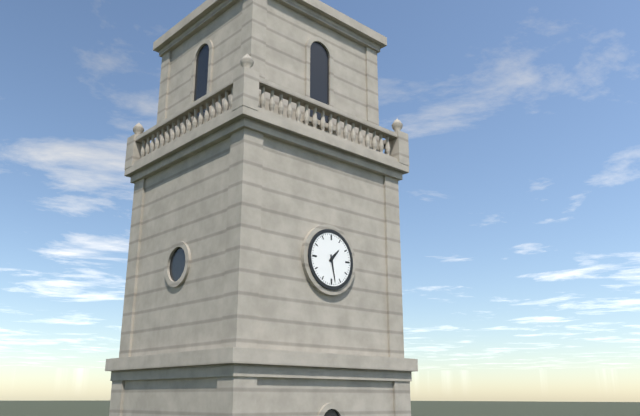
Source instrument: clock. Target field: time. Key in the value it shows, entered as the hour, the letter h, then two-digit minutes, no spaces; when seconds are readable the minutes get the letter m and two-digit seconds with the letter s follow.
1h28
